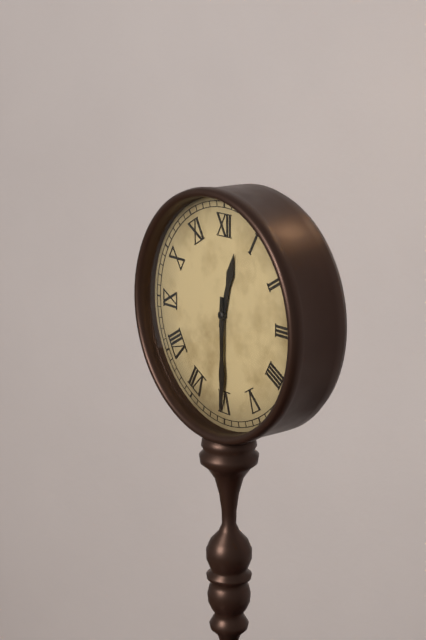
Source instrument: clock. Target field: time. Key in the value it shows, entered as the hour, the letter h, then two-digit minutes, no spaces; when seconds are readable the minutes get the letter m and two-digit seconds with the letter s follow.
12h30
